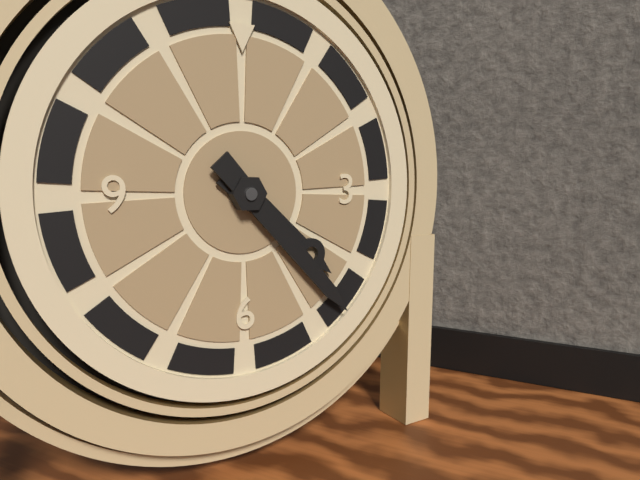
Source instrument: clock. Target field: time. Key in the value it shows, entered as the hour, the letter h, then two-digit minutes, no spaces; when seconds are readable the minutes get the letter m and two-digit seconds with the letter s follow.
4h23
